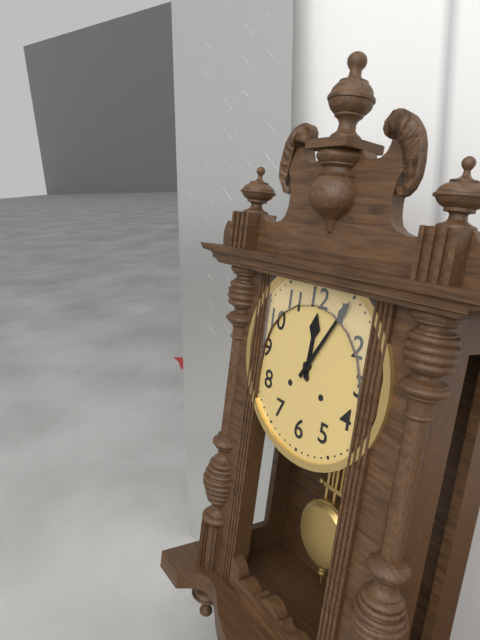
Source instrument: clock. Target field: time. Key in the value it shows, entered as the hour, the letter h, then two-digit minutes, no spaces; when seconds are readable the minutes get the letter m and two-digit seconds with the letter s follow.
12h05
